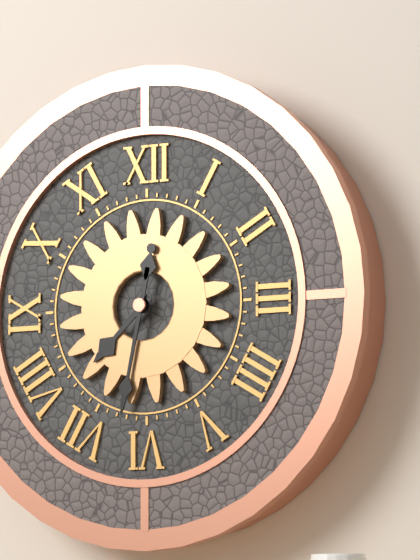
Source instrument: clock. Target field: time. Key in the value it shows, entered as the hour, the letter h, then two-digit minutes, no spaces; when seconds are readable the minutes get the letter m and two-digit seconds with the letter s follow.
7h32
